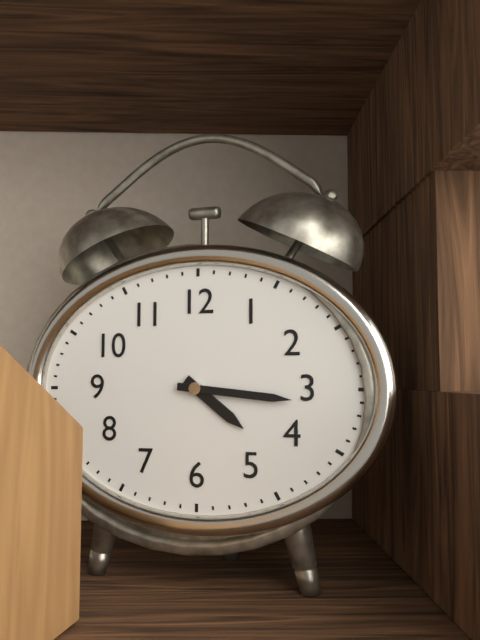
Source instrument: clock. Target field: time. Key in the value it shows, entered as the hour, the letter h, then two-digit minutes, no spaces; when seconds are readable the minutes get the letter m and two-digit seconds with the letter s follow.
4h16
